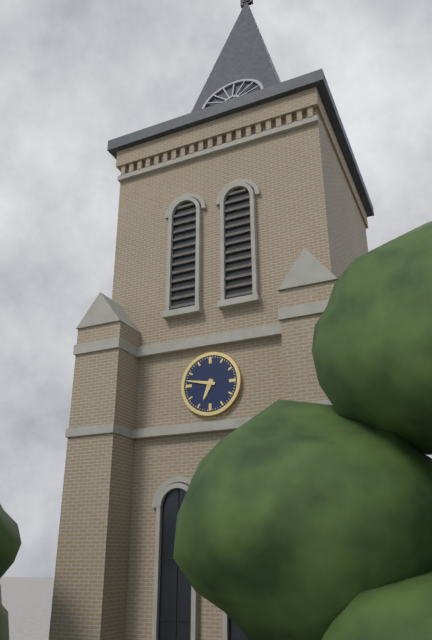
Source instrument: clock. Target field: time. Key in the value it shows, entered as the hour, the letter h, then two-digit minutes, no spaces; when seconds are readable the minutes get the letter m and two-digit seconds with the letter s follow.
6h47
